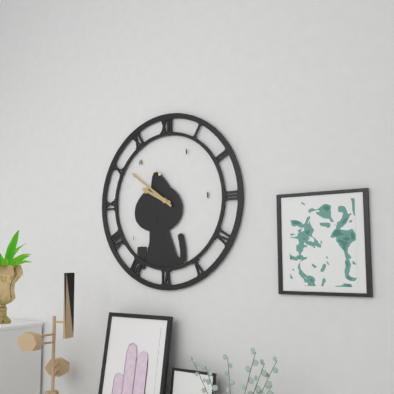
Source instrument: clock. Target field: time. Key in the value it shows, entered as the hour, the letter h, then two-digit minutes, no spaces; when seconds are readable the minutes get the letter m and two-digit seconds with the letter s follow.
9h51
